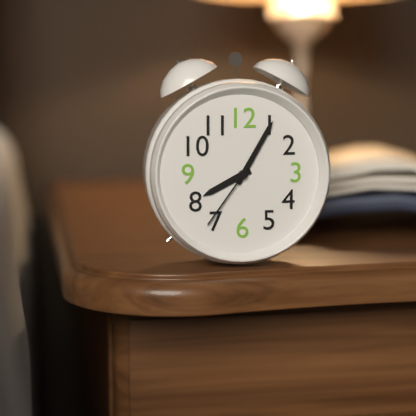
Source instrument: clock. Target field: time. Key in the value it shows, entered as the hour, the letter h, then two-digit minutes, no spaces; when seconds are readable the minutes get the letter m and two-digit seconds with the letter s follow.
8h05m36s
